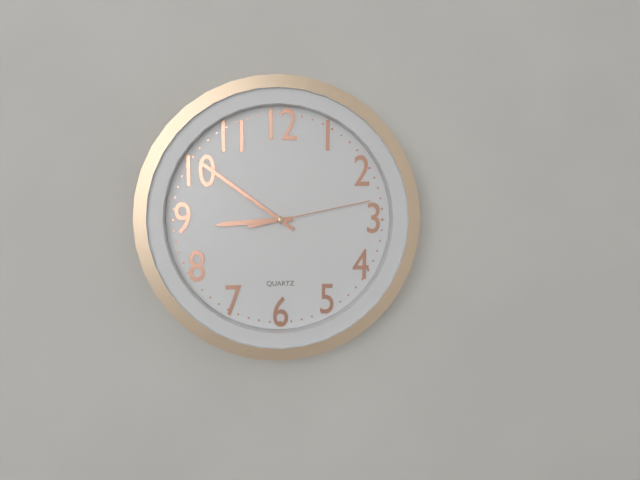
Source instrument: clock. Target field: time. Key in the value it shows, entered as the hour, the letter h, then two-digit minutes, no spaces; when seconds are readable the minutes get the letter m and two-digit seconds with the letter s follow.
8h51m13s
